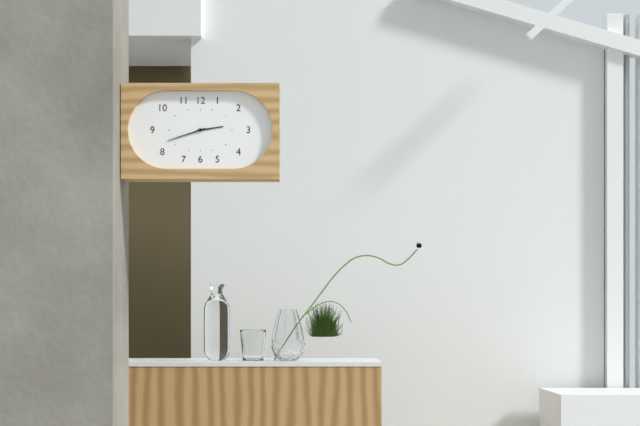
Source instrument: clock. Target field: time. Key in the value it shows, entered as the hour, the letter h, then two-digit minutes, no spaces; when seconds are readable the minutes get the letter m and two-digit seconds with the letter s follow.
2h42
